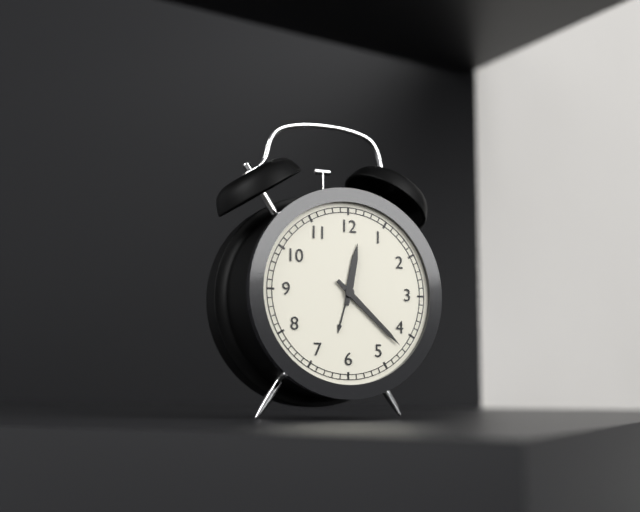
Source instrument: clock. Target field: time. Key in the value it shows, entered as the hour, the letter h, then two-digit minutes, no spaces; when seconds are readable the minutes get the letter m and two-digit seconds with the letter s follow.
12h22
